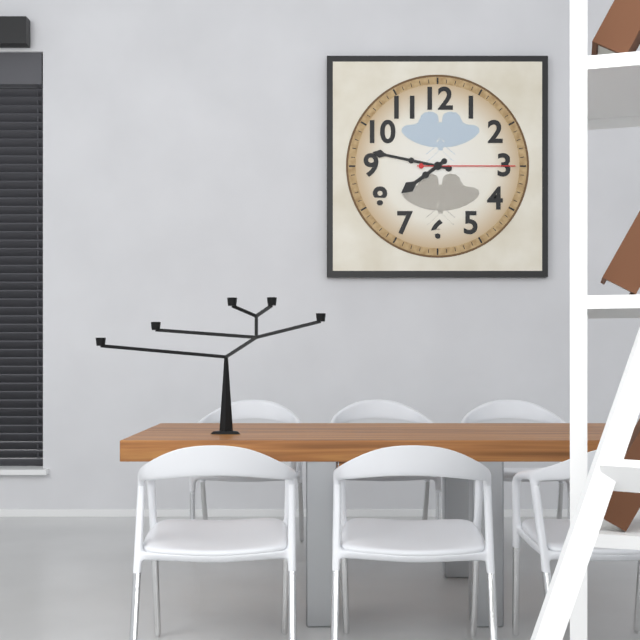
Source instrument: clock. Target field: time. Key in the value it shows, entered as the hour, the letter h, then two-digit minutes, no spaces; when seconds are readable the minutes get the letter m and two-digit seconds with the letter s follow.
7h47m15s
